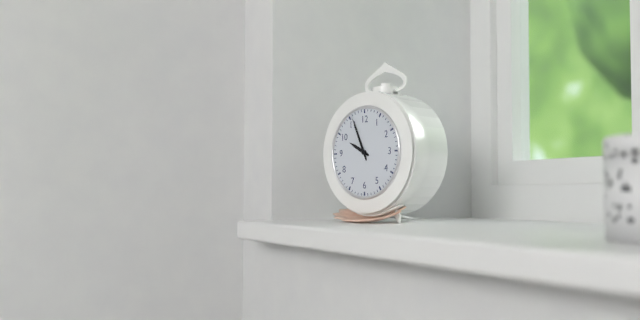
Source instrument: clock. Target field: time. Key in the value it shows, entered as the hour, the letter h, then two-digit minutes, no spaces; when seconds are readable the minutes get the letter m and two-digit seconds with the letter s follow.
9h56
